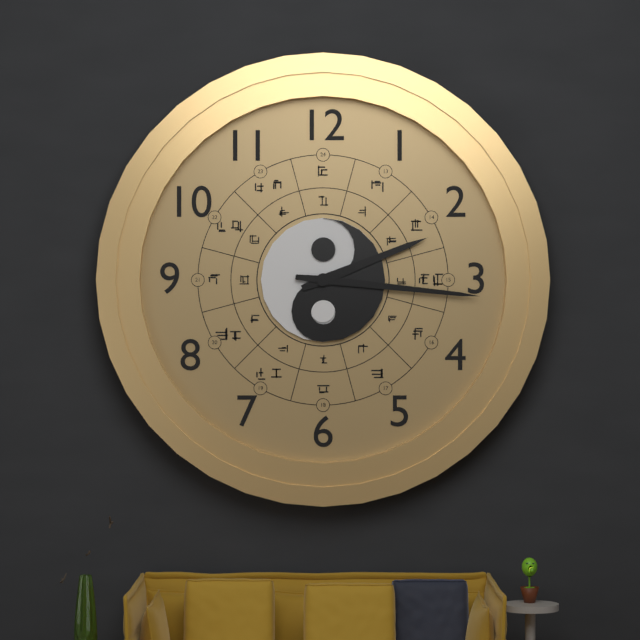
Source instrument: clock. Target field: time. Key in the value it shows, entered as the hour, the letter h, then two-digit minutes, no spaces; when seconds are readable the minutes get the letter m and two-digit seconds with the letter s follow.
2h16
